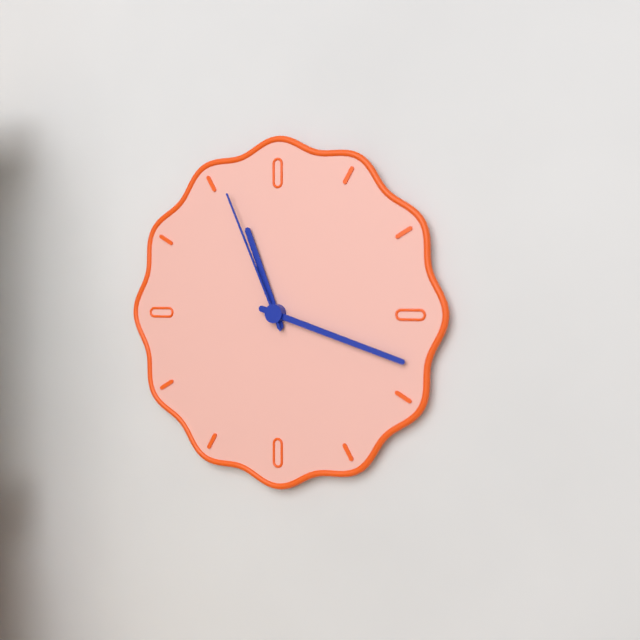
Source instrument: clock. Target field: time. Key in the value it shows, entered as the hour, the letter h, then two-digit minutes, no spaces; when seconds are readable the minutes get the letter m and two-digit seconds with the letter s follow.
11h18m56s
